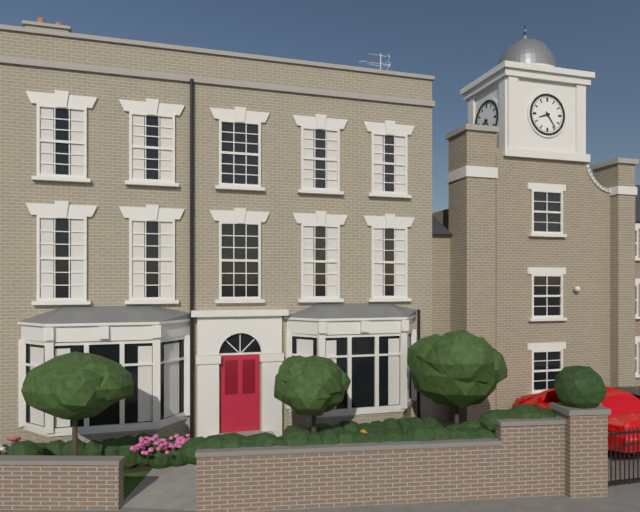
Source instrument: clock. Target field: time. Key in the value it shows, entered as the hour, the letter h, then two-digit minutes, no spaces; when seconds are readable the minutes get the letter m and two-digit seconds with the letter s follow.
8h24
